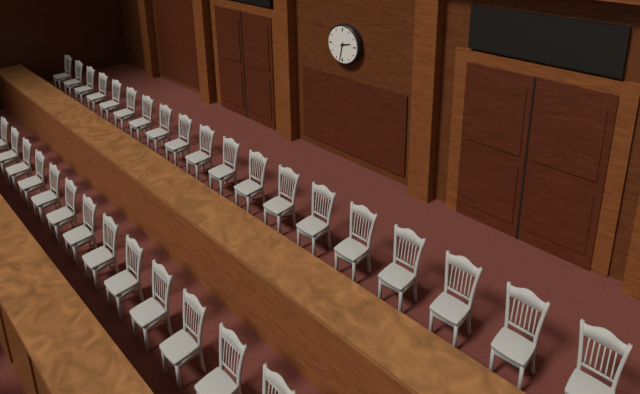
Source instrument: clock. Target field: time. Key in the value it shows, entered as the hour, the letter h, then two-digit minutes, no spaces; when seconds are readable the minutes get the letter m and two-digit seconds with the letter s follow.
2h32
